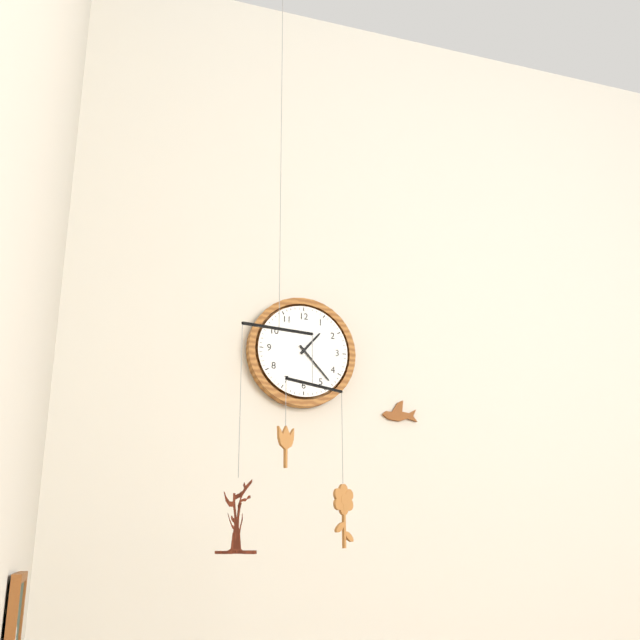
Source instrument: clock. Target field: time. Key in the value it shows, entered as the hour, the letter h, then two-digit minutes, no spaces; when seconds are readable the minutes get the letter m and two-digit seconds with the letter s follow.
1h23
